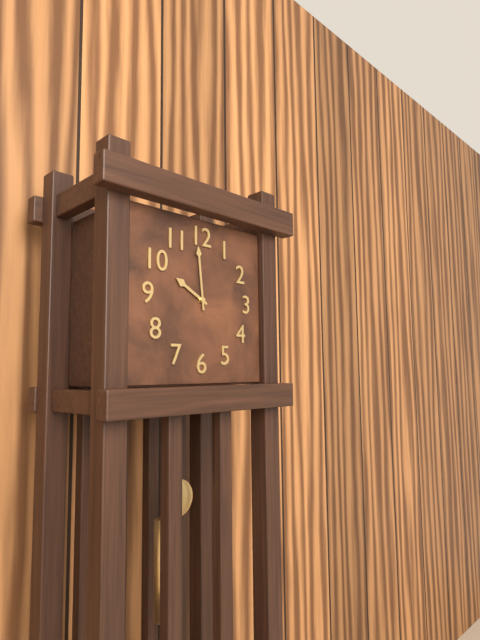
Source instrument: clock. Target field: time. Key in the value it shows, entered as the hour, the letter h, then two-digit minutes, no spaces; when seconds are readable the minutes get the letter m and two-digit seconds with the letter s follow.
9h59
